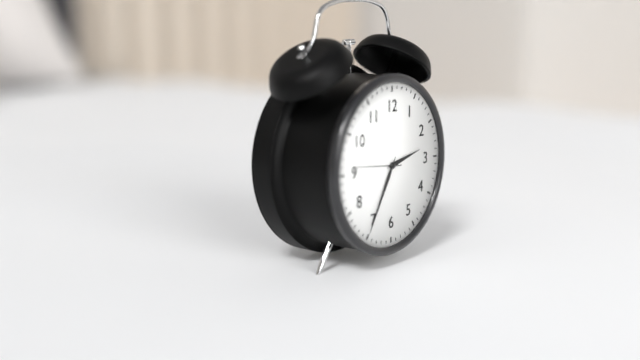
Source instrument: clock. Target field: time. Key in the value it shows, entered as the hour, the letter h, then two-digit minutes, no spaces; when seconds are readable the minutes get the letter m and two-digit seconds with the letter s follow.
2h35
